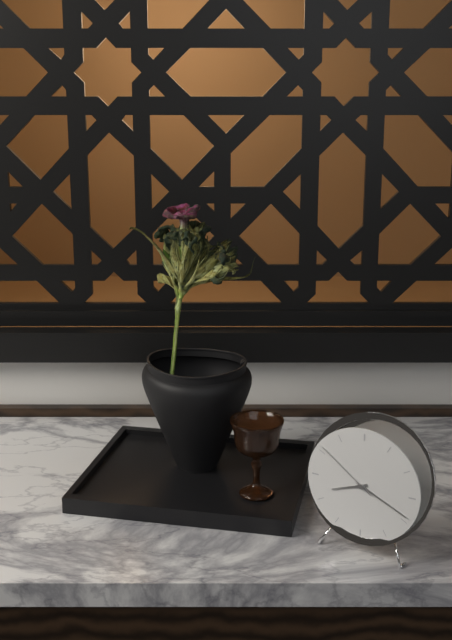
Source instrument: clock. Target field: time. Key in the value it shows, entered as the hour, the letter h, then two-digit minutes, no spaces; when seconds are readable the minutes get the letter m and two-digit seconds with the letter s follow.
8h19m51s
